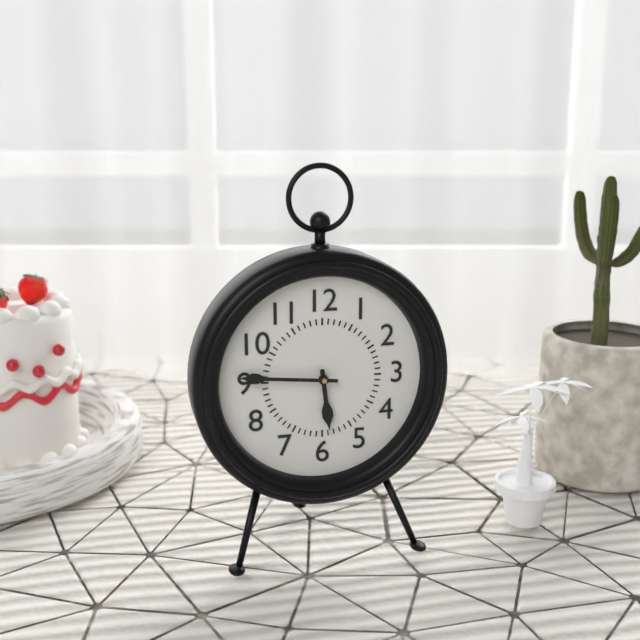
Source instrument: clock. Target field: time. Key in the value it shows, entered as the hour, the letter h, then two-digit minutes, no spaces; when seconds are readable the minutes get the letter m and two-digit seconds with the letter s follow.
5h46
